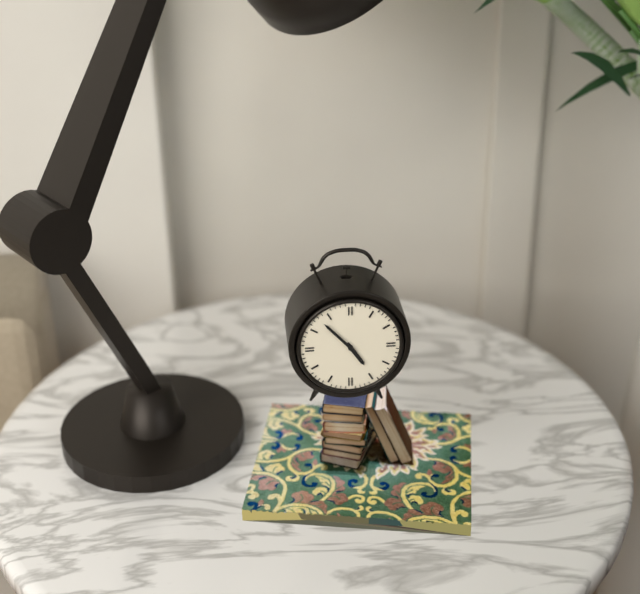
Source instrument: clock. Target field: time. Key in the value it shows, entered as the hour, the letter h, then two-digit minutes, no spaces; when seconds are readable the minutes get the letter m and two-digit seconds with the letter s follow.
4h53
